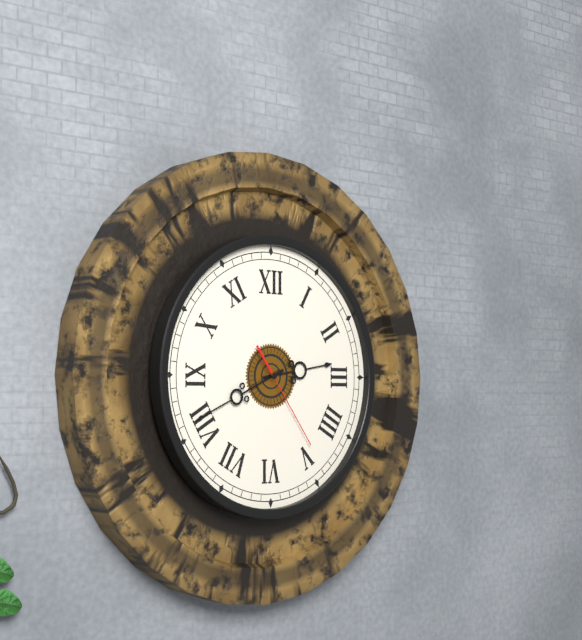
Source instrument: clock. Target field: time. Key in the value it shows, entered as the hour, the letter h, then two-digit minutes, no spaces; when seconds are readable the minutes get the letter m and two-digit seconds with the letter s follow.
2h41m24s
